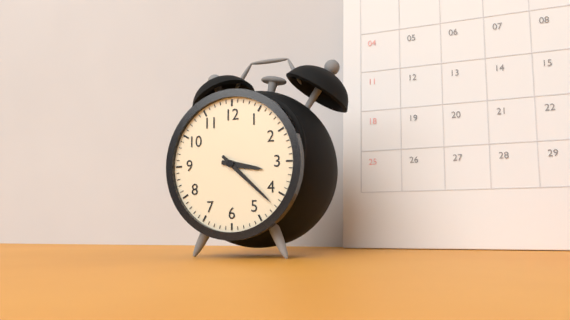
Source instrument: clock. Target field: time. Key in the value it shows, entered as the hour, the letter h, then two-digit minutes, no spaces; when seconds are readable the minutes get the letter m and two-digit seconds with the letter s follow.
3h22
